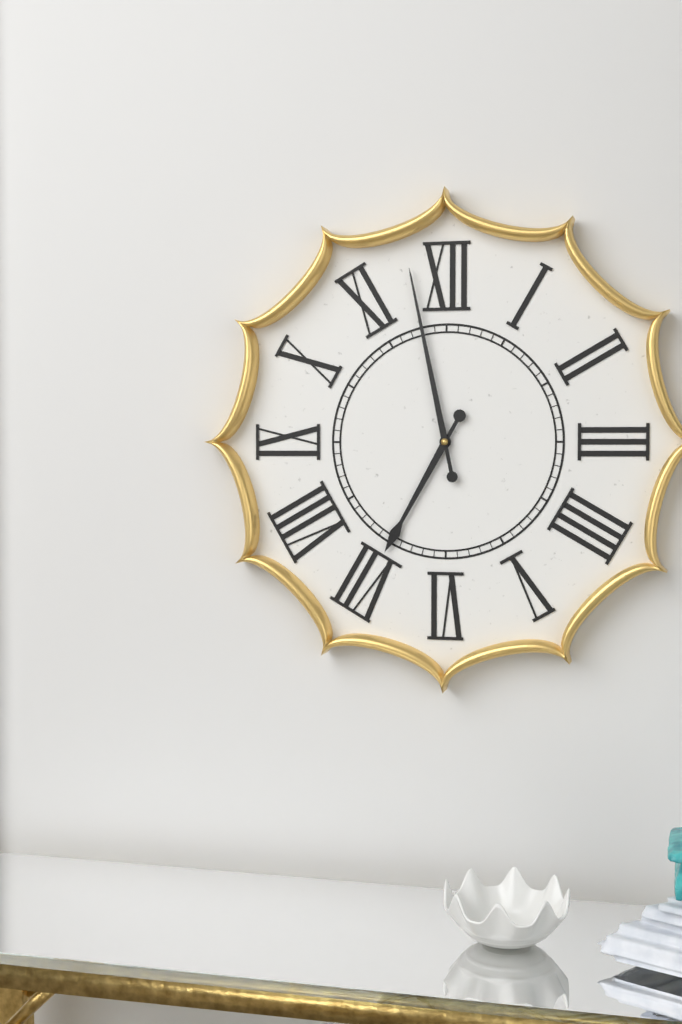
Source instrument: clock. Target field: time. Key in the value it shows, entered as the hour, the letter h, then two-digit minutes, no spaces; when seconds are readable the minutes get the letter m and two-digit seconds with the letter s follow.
6h58
